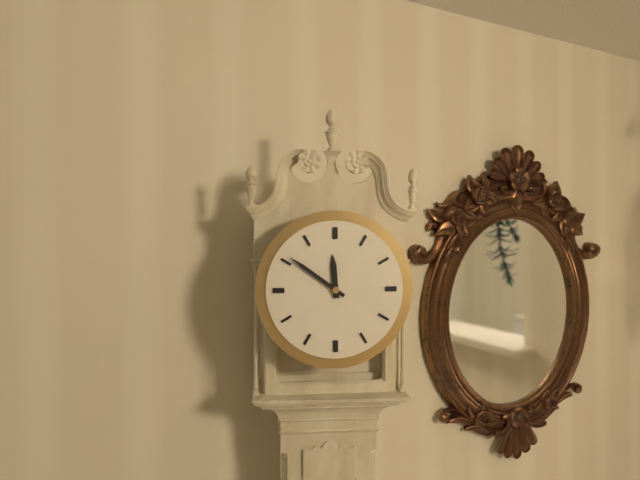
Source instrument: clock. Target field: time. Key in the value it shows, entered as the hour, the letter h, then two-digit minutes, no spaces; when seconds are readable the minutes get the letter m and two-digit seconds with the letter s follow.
11h51
